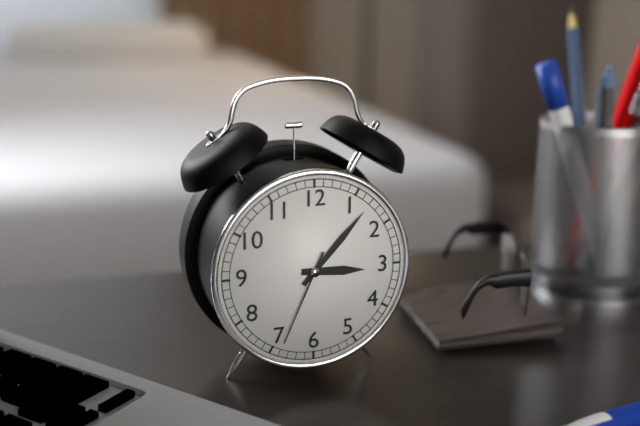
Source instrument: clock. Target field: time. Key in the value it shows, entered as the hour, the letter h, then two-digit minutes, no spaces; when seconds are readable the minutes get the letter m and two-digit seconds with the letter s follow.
3h07m34s
